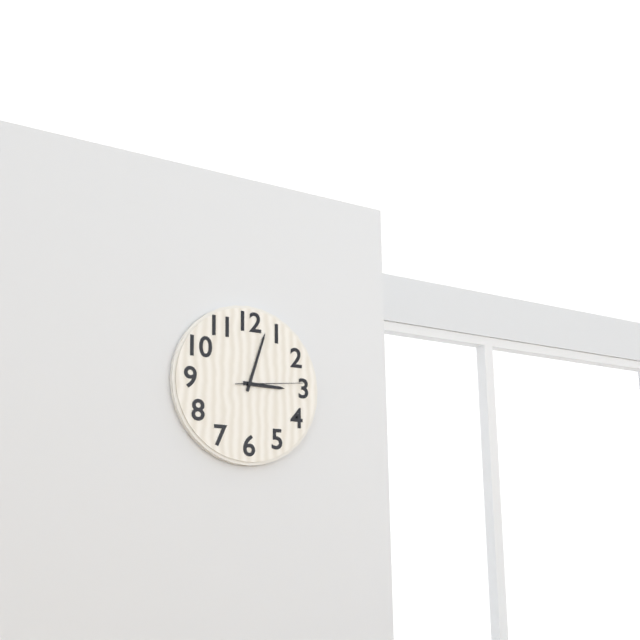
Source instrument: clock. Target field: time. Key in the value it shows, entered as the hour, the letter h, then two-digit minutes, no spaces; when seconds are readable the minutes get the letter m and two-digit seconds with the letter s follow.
3h03m14s
